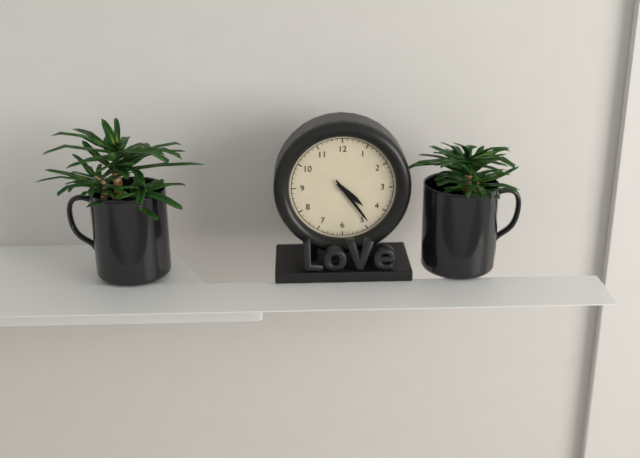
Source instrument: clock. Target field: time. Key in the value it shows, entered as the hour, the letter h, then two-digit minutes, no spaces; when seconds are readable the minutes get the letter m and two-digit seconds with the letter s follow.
4h24
